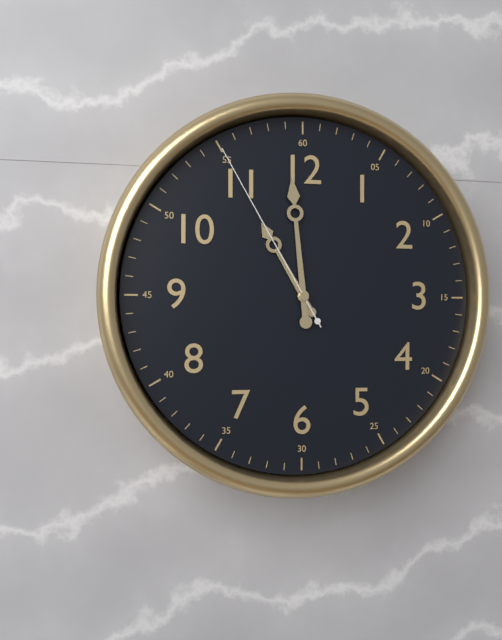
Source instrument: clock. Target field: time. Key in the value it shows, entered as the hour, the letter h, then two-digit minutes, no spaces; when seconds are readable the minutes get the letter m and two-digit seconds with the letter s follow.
10h59m55s
